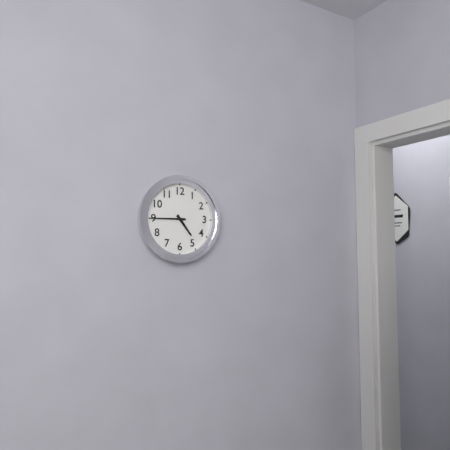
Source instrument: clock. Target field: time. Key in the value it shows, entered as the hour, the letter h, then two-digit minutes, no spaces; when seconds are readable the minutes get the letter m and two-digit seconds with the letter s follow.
4h45
